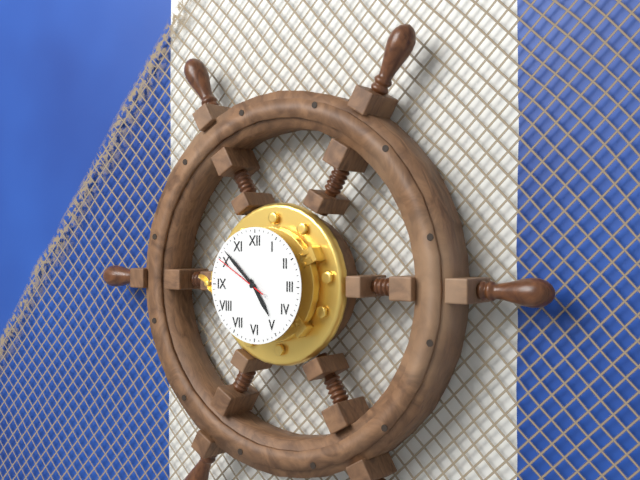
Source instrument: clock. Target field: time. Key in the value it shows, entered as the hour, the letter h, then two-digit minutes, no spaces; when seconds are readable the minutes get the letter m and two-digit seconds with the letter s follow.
4h52m50s
